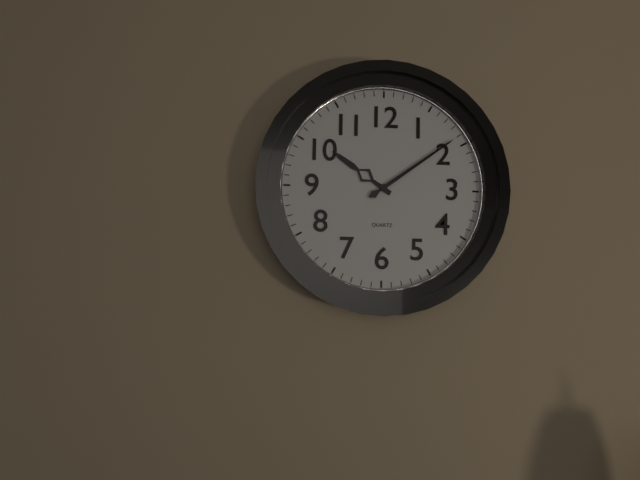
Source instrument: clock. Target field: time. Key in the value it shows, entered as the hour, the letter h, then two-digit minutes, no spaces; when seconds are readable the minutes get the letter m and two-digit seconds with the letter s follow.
10h09
